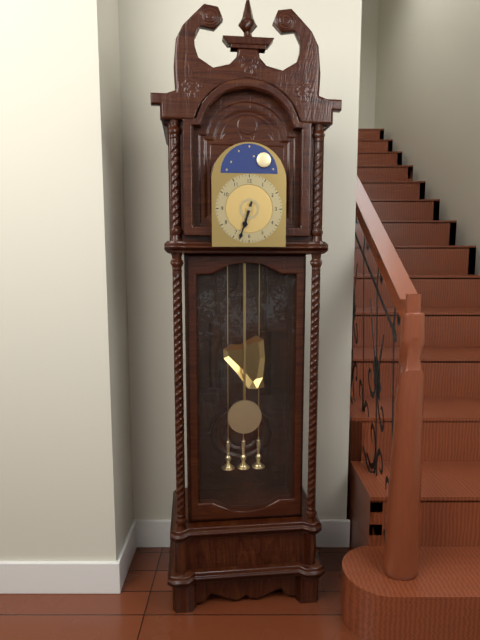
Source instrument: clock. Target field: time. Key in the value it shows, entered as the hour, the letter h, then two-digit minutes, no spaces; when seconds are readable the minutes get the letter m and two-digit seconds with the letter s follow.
6h33
